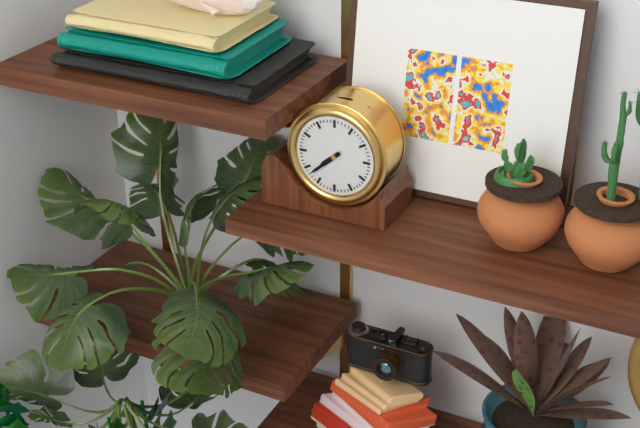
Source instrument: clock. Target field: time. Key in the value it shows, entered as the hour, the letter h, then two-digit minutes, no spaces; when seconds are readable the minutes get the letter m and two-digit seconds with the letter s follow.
7h38
